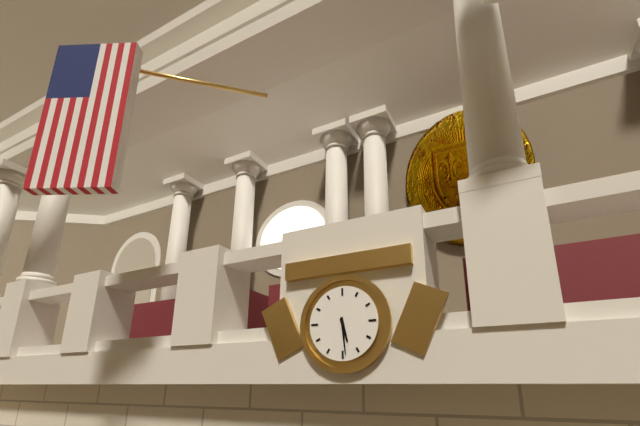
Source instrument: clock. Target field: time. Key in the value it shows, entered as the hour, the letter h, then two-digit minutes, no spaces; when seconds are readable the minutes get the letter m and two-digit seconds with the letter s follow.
5h29
